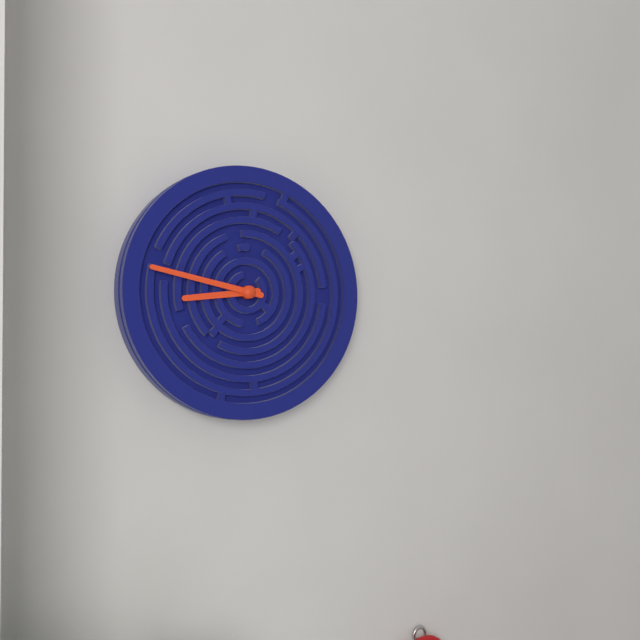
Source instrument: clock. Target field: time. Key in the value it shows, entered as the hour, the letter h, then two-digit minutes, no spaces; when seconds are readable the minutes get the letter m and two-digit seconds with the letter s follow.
8h47
